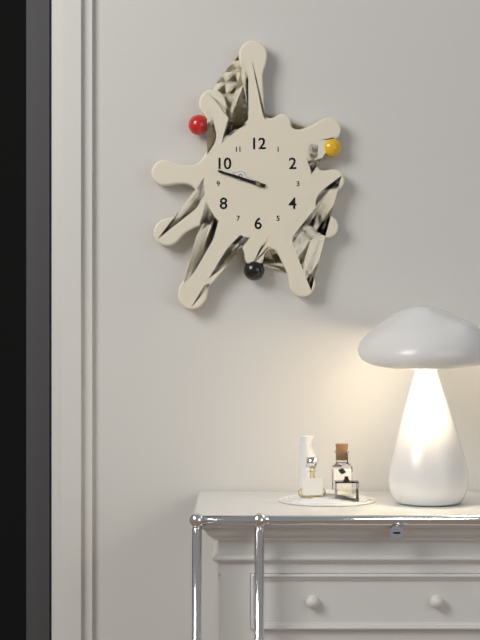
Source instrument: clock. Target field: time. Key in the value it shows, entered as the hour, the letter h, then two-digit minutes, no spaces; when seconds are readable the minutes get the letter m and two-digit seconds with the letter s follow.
9h48
